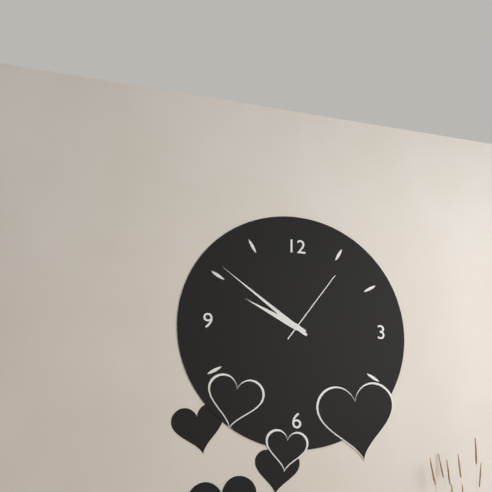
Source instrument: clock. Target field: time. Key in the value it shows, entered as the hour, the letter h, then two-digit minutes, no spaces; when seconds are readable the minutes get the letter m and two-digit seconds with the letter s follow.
9h51m06s
